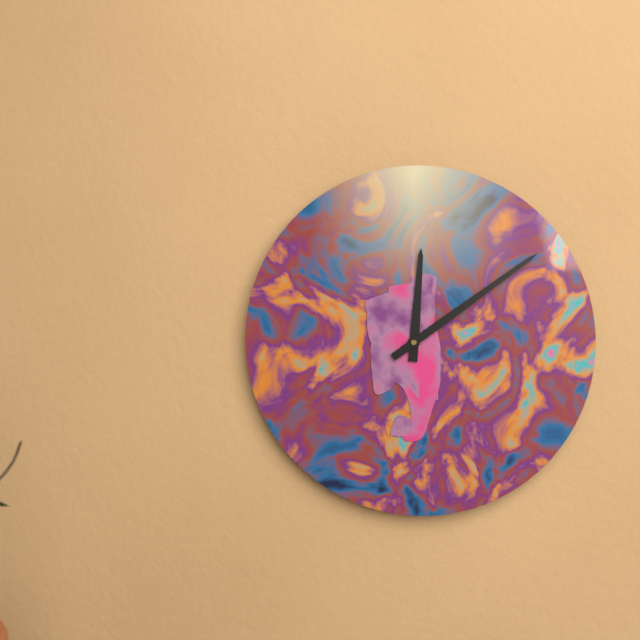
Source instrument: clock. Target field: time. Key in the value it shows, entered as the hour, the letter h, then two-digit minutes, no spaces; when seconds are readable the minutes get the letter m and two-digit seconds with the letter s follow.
12h09
